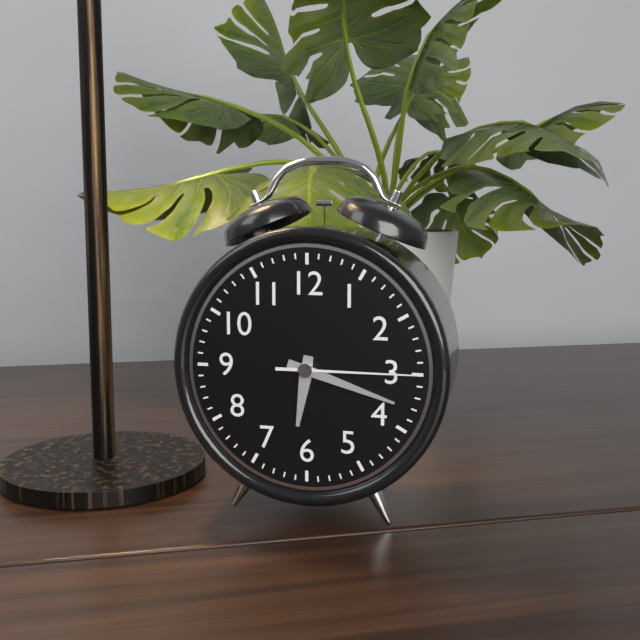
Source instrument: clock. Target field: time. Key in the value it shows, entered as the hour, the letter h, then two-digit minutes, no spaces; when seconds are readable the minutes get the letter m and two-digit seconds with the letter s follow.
6h18m15s
